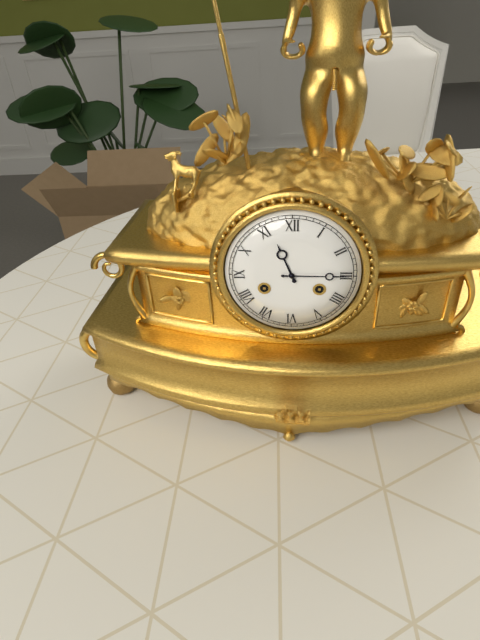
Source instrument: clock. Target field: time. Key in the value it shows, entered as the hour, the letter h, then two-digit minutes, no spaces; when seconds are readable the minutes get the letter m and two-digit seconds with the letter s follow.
11h15
